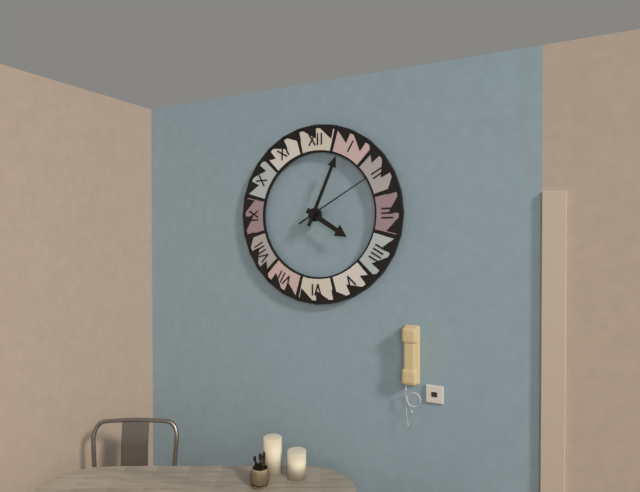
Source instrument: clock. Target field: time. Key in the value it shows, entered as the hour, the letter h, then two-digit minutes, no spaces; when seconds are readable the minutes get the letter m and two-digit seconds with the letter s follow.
4h04m10s
